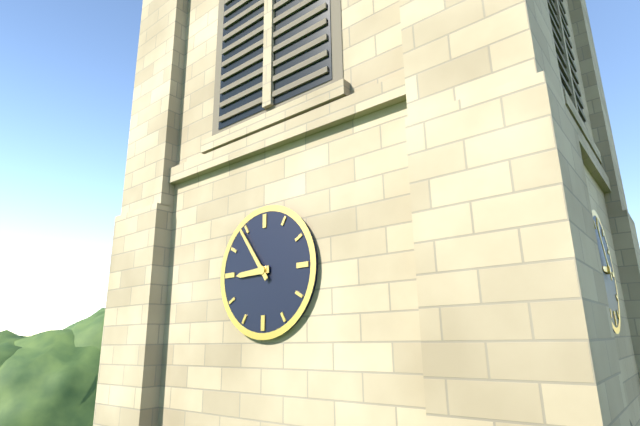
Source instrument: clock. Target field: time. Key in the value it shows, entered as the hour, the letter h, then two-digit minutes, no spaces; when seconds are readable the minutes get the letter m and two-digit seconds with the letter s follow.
8h54
